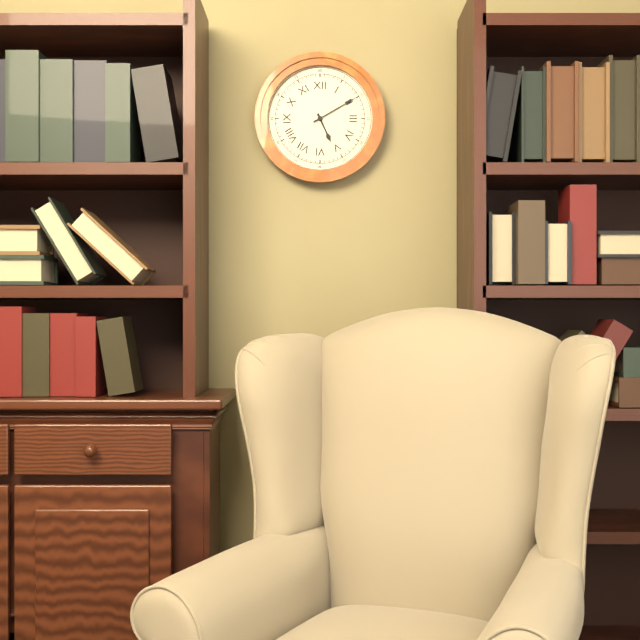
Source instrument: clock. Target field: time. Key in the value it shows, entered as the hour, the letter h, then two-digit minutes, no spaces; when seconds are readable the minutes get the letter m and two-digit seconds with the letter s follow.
5h10
